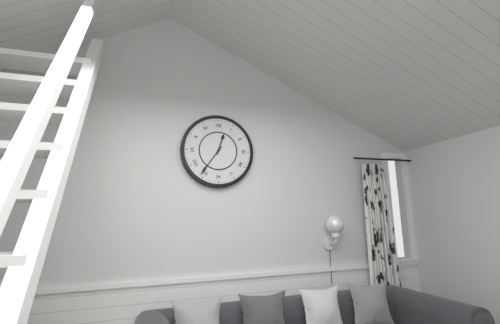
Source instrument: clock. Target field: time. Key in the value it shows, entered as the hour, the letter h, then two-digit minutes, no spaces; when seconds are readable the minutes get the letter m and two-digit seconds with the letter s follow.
12h36
